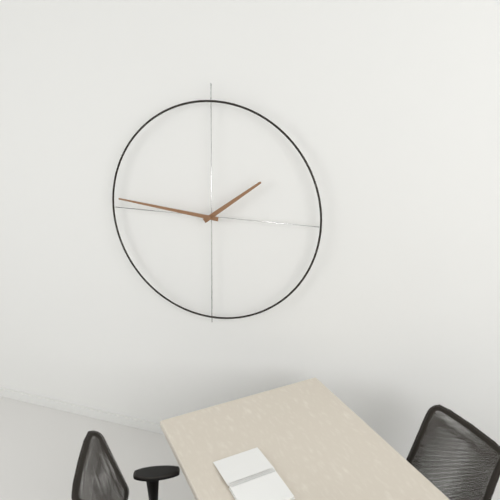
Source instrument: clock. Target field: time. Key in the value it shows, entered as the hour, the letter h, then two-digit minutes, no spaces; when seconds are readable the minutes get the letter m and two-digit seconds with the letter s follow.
1h46
